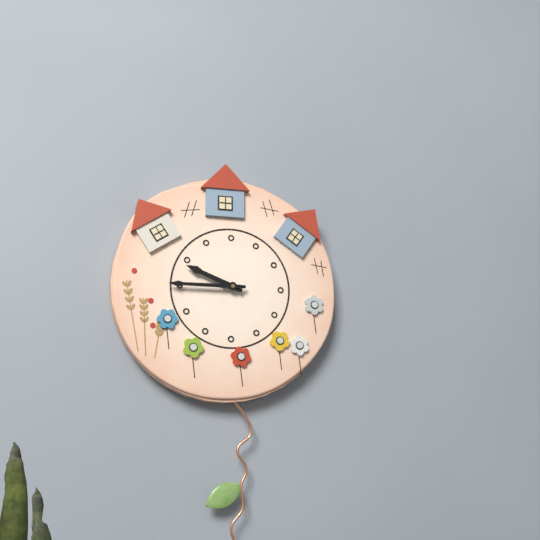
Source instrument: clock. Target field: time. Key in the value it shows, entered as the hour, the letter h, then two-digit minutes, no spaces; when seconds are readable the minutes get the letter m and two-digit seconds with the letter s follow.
9h45
